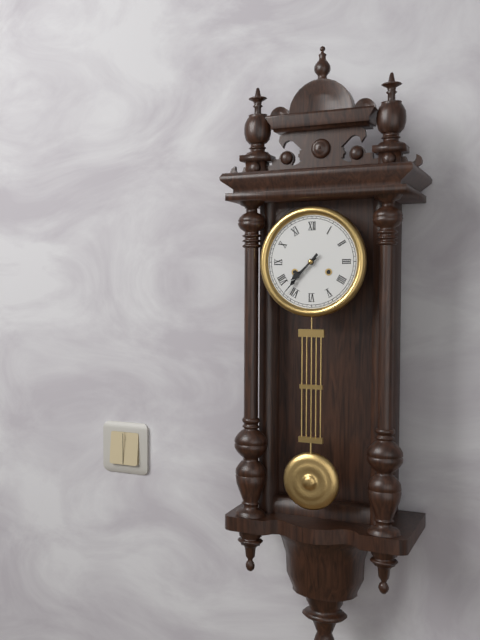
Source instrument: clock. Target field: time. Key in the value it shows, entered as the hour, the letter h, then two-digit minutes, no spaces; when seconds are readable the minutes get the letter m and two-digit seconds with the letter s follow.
7h37
